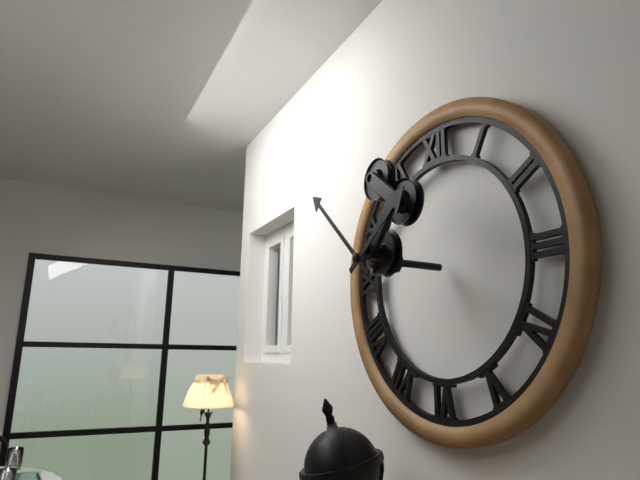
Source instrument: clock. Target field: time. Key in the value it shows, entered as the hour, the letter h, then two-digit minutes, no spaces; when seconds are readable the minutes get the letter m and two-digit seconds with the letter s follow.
1h52
